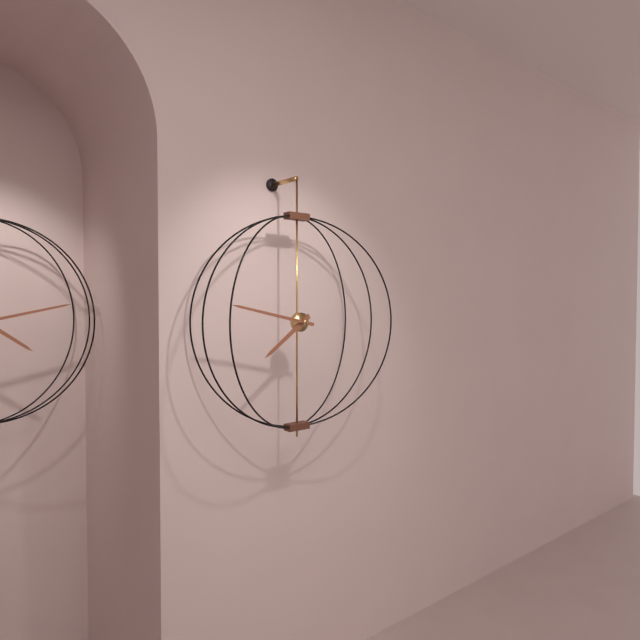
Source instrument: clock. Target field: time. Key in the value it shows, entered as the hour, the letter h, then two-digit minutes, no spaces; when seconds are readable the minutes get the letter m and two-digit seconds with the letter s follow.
7h47
